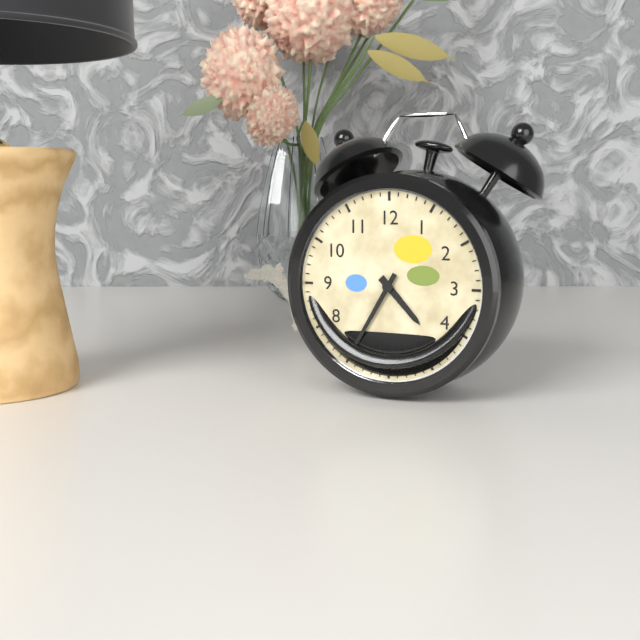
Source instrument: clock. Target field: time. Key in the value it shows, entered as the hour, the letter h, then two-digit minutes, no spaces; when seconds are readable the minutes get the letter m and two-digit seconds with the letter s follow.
4h35
